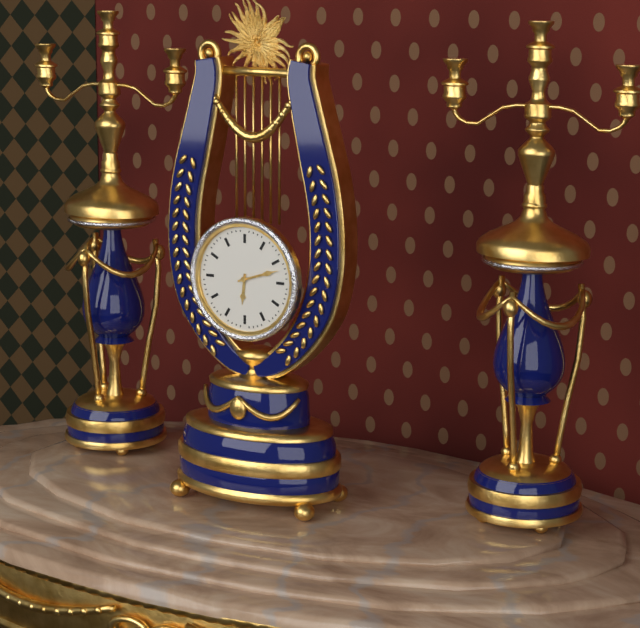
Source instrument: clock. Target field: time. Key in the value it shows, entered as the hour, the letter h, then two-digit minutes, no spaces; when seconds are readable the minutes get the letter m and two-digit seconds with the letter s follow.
6h12
